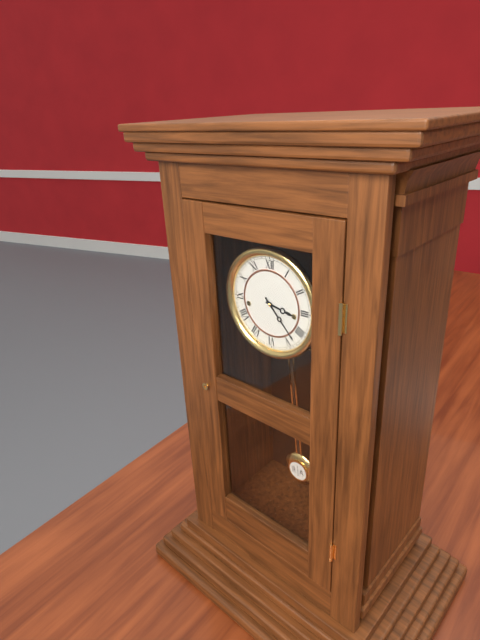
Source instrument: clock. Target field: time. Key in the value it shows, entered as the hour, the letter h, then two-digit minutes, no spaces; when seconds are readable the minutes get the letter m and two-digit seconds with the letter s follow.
3h23
